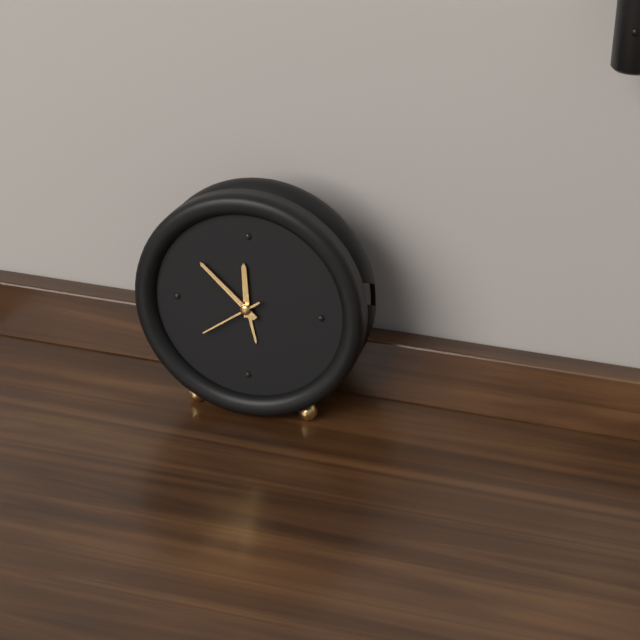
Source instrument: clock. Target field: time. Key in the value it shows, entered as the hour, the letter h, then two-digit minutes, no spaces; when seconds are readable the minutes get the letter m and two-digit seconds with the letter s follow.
11h52m39s
